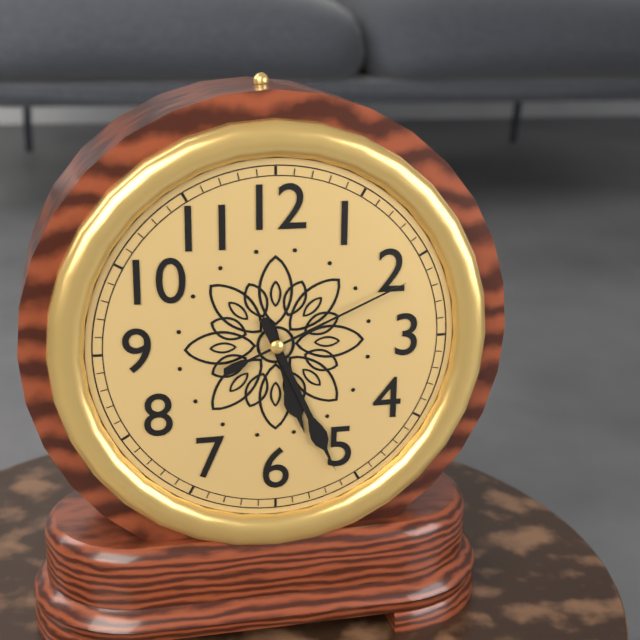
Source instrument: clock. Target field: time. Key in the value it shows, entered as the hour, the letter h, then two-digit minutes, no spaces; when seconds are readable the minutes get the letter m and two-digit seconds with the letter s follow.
5h26m11s
